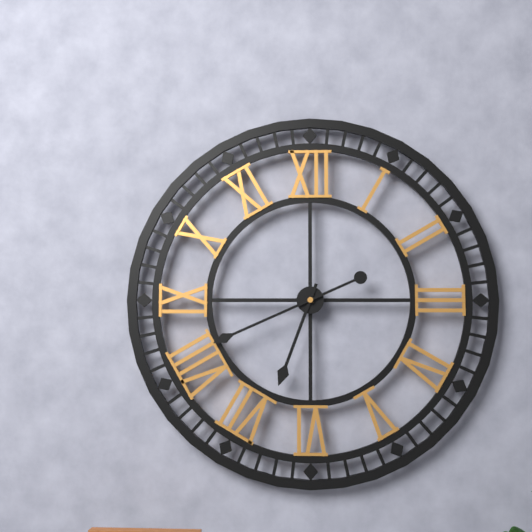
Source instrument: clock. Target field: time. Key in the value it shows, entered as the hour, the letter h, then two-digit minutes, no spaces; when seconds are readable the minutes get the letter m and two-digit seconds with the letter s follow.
6h41
